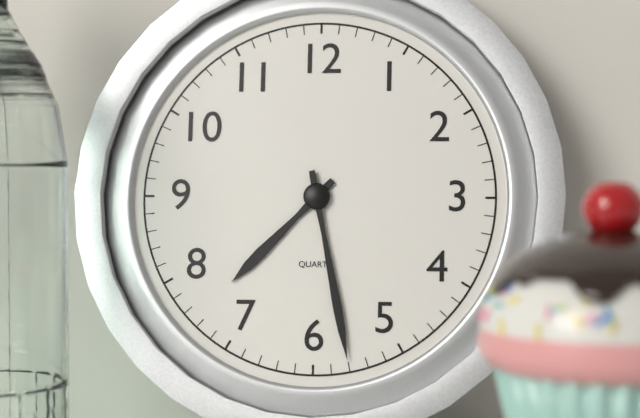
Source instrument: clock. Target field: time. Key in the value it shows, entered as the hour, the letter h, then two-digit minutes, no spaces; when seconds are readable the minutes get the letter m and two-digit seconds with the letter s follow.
7h28
